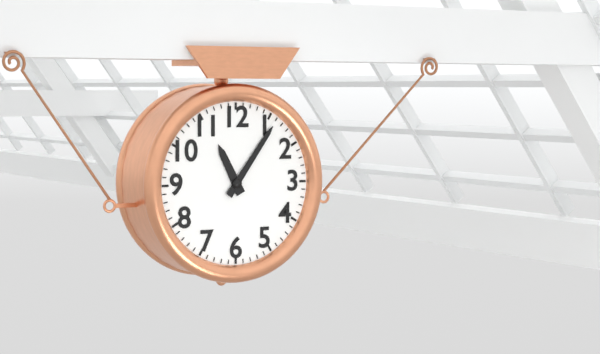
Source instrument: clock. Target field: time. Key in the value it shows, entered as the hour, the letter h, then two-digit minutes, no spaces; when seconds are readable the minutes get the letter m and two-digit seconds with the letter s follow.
11h06
